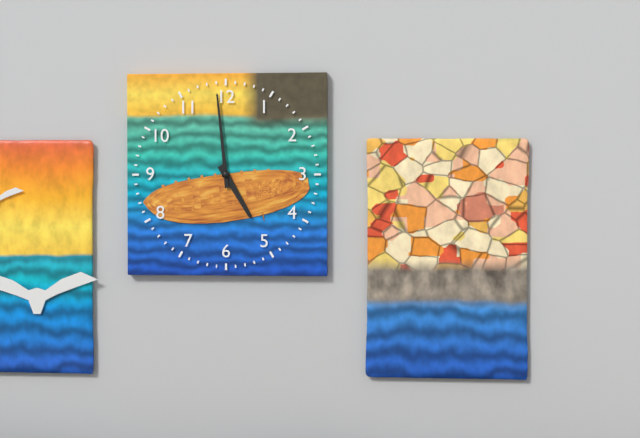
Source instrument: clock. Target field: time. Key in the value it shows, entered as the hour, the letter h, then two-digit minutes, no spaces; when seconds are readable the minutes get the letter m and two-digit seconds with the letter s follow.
4h59
